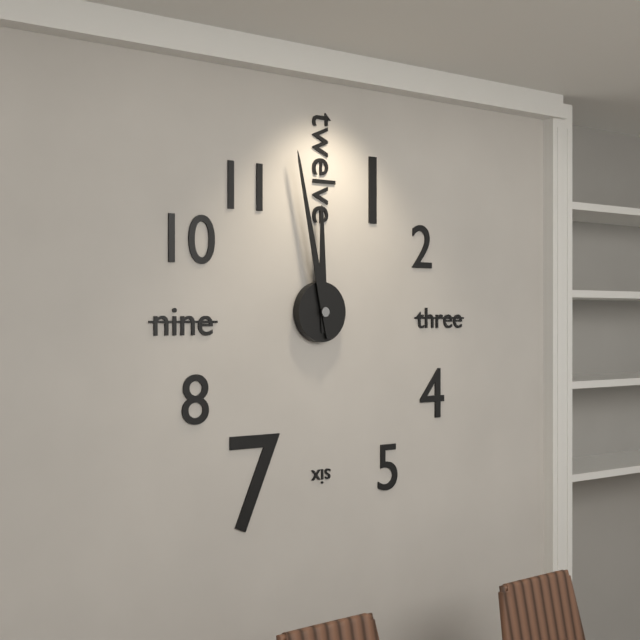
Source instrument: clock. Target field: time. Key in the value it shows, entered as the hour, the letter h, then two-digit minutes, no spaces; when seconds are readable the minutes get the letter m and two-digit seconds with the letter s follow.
11h58
